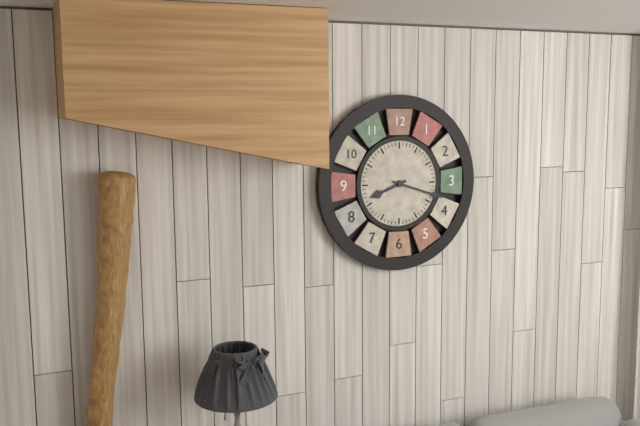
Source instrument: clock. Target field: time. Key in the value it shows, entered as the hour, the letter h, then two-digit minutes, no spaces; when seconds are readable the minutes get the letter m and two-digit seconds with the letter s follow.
8h18
